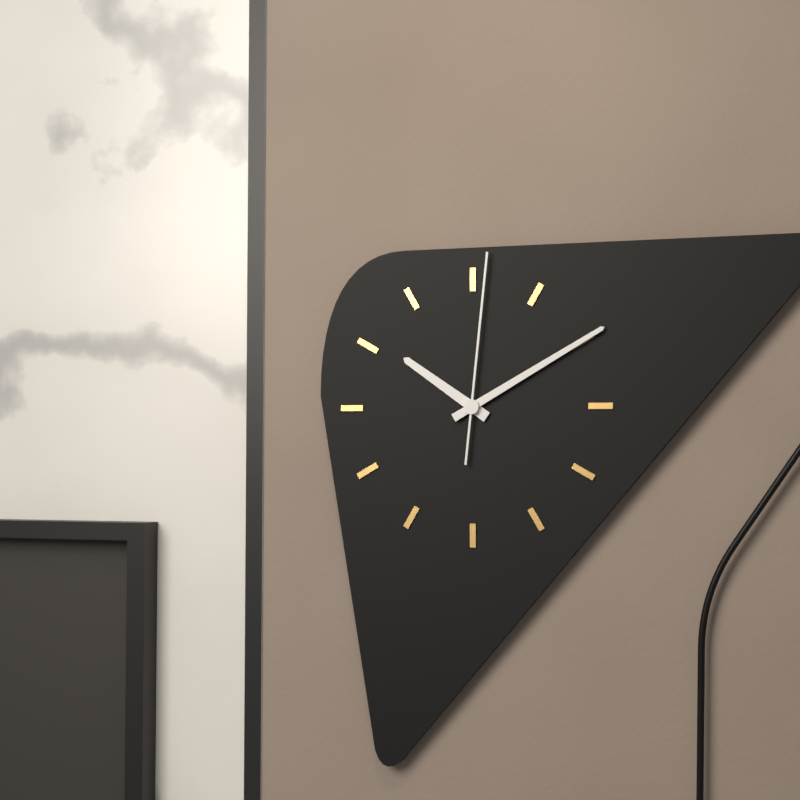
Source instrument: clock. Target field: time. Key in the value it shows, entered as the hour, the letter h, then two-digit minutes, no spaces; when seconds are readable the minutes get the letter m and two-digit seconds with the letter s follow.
10h10m01s
